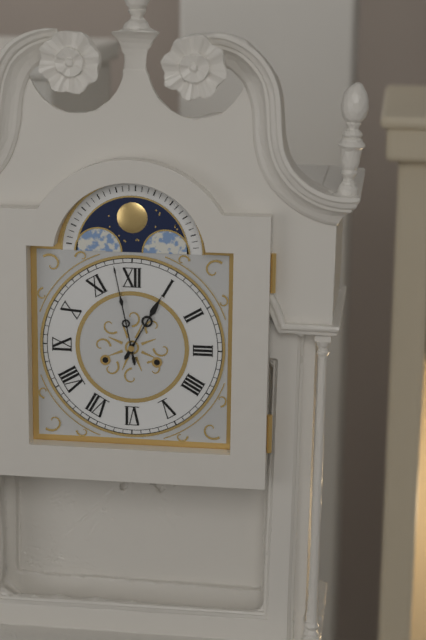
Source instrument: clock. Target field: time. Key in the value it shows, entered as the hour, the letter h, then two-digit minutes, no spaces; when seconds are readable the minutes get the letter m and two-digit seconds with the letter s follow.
12h58
